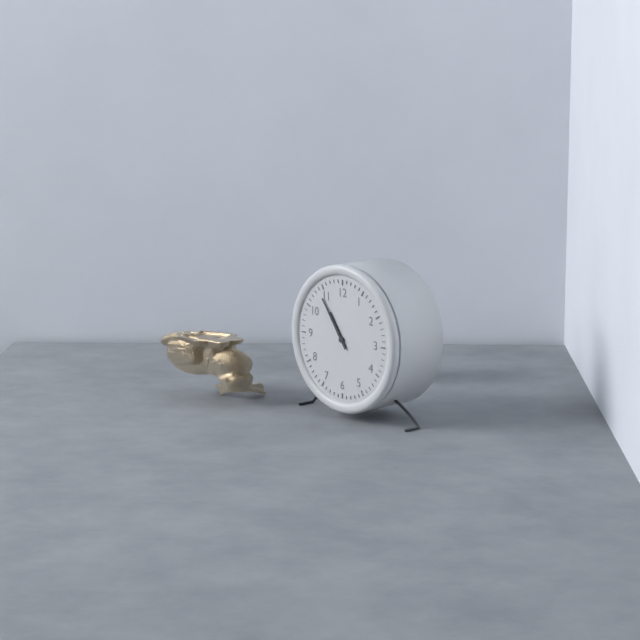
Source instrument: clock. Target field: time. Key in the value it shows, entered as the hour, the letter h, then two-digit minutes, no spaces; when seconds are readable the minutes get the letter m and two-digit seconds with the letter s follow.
10h54
